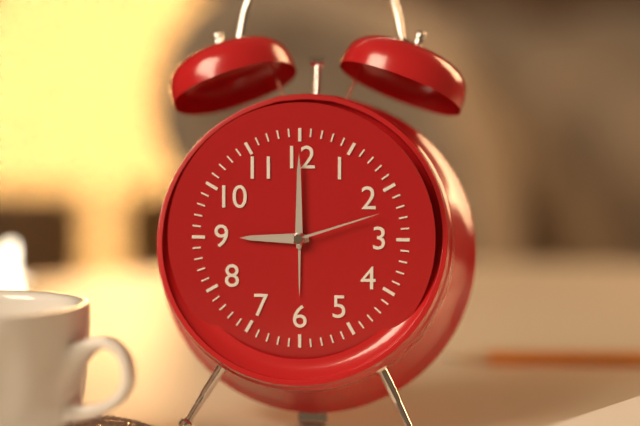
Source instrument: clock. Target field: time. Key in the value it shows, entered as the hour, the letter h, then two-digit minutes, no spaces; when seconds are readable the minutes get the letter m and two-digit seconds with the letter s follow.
9h00m12s
